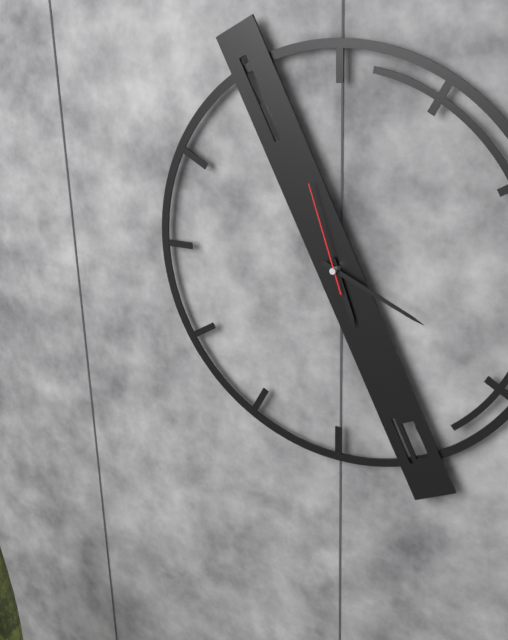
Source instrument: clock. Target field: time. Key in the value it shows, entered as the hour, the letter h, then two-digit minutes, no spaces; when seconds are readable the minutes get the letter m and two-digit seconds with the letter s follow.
5h19m57s
